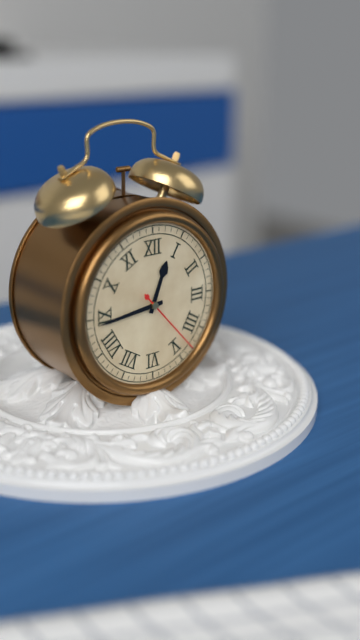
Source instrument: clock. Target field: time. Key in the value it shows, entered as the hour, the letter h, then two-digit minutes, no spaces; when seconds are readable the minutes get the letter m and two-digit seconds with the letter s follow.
12h44m23s
